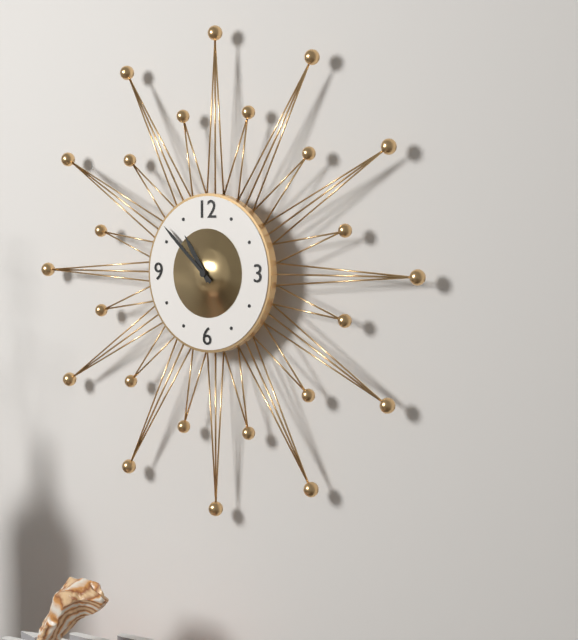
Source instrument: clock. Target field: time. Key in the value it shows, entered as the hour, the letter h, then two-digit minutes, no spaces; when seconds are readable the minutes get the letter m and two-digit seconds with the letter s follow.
10h52
